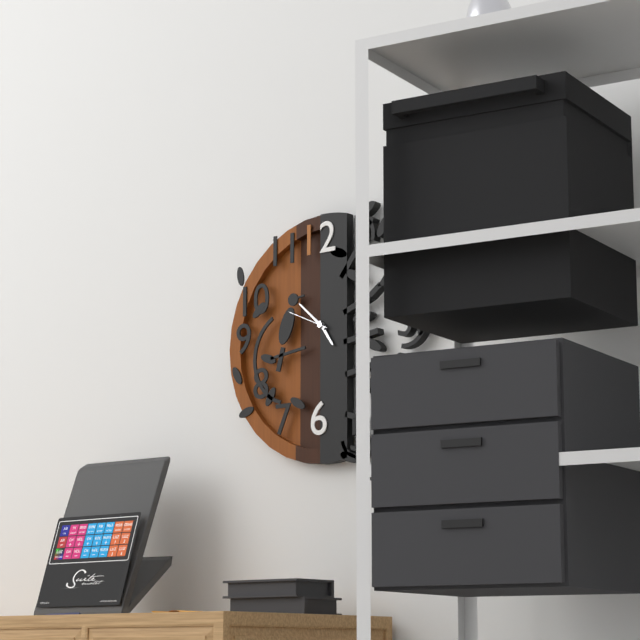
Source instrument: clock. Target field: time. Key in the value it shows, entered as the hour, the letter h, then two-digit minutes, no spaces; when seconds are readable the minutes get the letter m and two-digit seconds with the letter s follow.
4h52m49s
